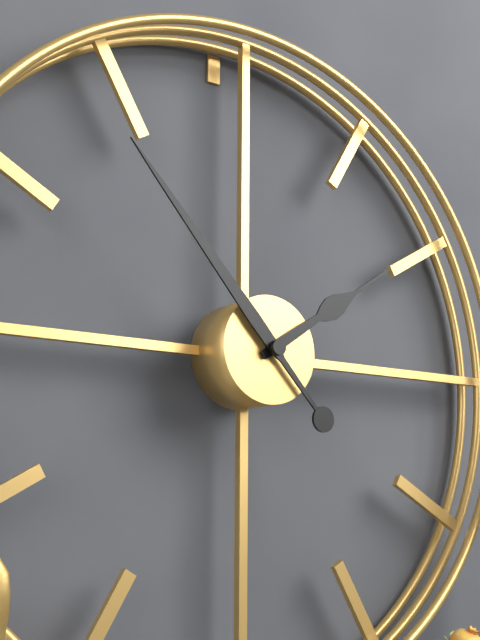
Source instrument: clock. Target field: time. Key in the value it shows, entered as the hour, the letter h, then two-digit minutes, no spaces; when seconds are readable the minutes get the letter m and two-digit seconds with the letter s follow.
1h53
